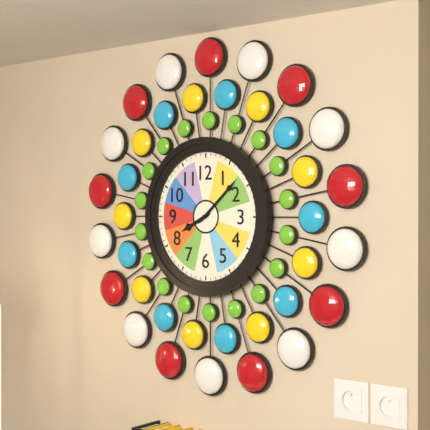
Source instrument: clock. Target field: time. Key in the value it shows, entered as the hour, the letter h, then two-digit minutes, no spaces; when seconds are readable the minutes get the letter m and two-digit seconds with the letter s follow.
8h08
